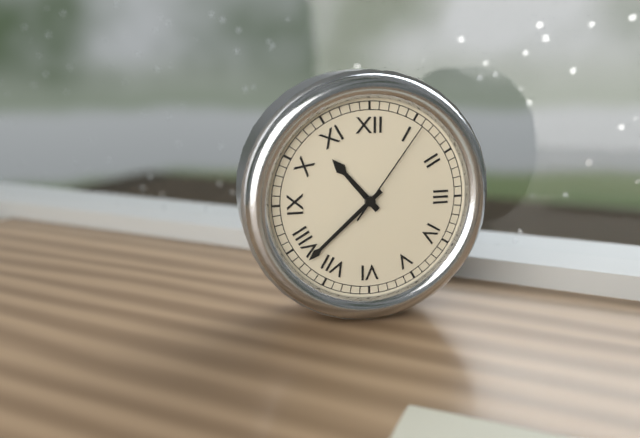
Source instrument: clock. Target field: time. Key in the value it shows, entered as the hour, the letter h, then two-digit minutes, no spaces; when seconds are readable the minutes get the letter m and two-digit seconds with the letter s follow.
10h38m06s
